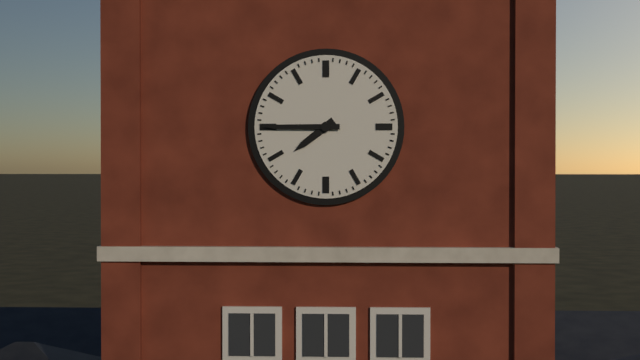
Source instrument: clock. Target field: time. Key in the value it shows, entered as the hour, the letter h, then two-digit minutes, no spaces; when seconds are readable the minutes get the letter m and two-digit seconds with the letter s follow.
7h45
